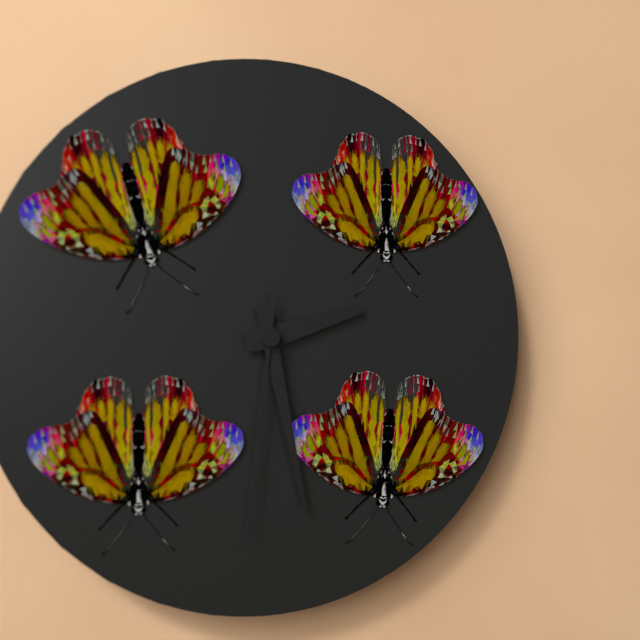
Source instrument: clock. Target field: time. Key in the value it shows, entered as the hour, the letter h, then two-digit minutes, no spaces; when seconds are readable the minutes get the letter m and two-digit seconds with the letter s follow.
2h28m31s
